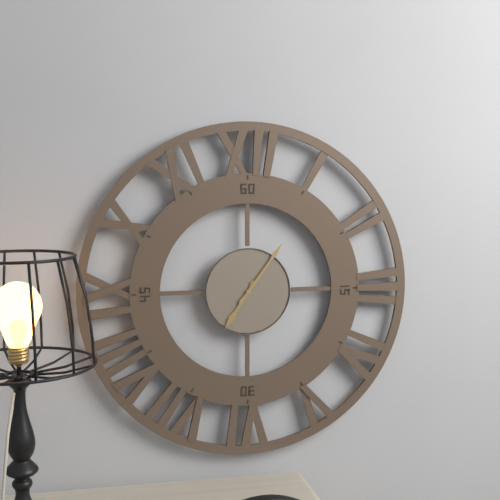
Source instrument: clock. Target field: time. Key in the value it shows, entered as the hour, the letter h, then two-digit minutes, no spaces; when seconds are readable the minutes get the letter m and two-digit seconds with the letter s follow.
7h06
